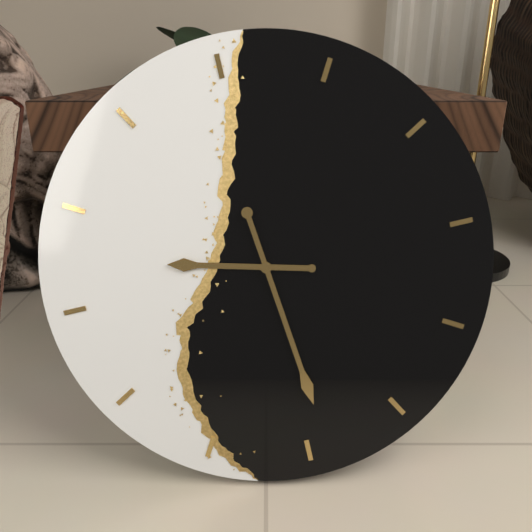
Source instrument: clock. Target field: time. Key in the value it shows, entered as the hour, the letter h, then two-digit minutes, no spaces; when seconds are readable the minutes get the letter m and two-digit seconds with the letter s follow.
9h29
